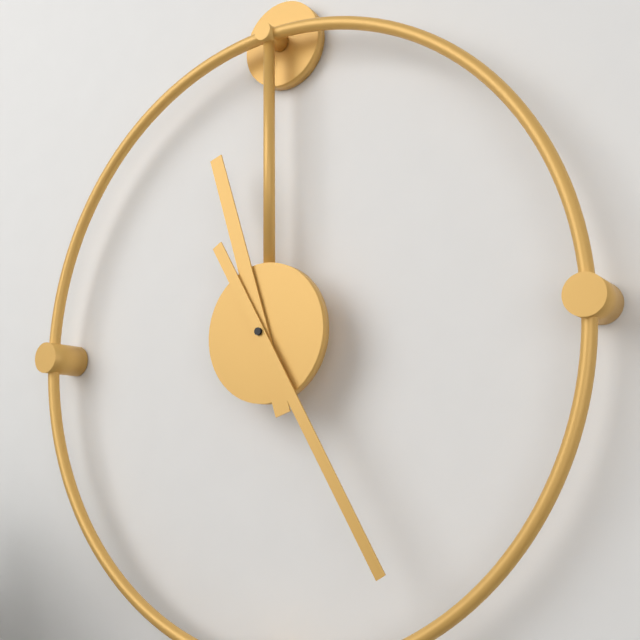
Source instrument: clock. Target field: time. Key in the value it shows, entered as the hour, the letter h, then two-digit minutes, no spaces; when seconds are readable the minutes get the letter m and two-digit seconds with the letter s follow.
11h25
